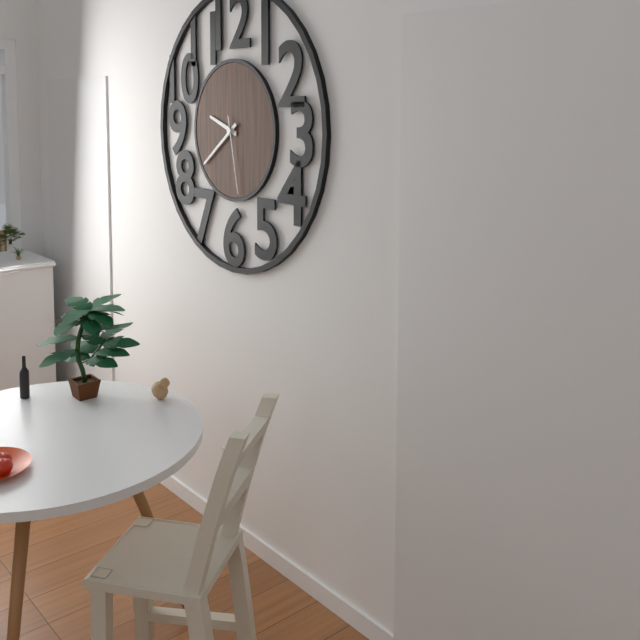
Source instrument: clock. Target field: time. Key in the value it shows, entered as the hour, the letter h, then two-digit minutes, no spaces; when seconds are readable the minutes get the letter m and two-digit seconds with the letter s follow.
9h39m28s
